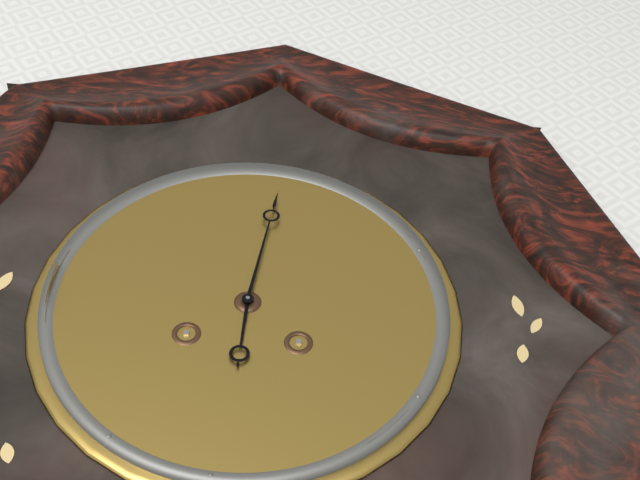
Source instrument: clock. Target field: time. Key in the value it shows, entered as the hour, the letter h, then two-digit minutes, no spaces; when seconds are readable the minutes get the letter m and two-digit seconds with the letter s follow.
6h01
